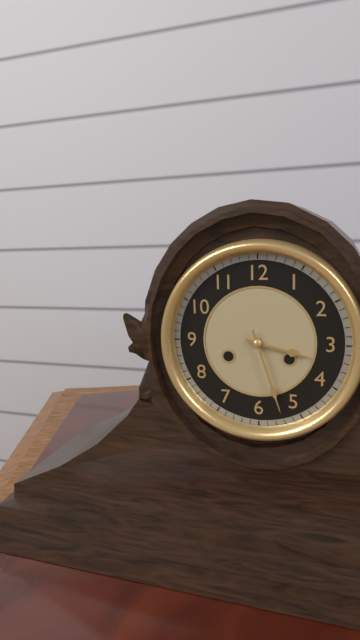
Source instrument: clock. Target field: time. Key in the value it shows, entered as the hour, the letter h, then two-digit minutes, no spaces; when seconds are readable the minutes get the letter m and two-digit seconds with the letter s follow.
3h27
